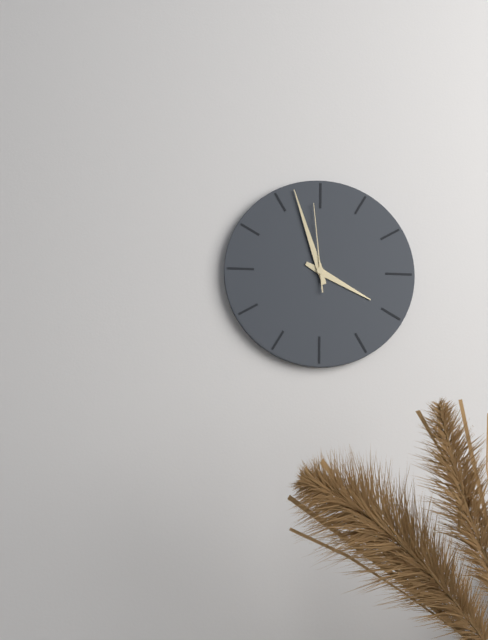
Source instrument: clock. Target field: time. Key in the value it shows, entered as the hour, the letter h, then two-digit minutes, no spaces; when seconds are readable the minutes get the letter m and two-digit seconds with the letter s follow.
3h57m59s
